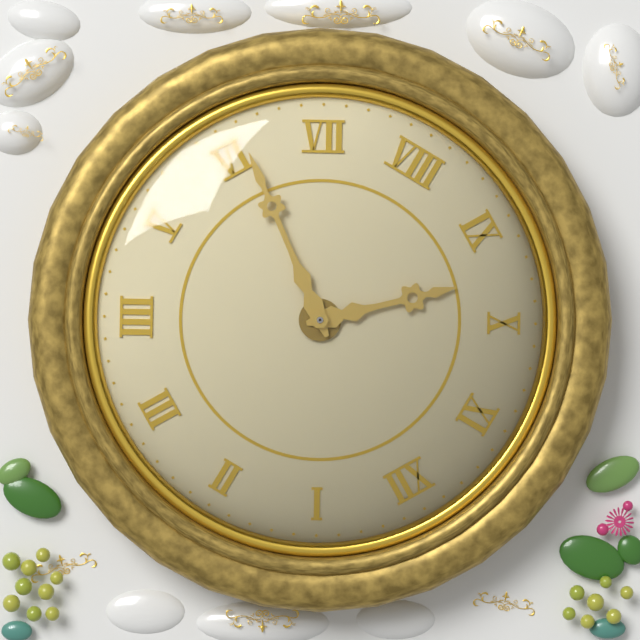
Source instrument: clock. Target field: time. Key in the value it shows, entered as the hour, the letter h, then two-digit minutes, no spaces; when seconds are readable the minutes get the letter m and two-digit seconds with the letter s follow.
9h31
